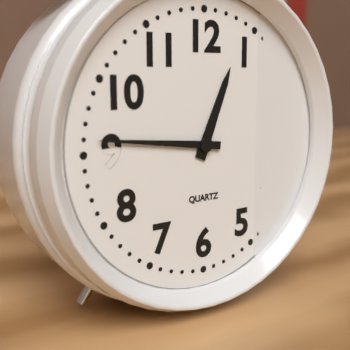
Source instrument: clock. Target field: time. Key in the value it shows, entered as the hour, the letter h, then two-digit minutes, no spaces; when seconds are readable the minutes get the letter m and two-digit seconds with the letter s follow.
12h46
